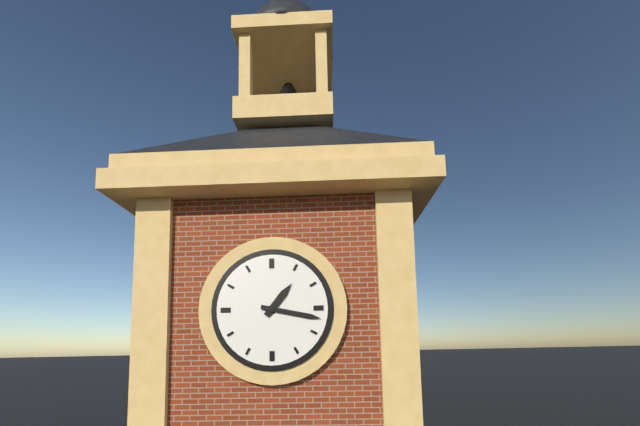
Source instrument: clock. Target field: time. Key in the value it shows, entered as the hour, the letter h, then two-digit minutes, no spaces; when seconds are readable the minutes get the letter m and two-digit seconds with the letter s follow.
1h17
